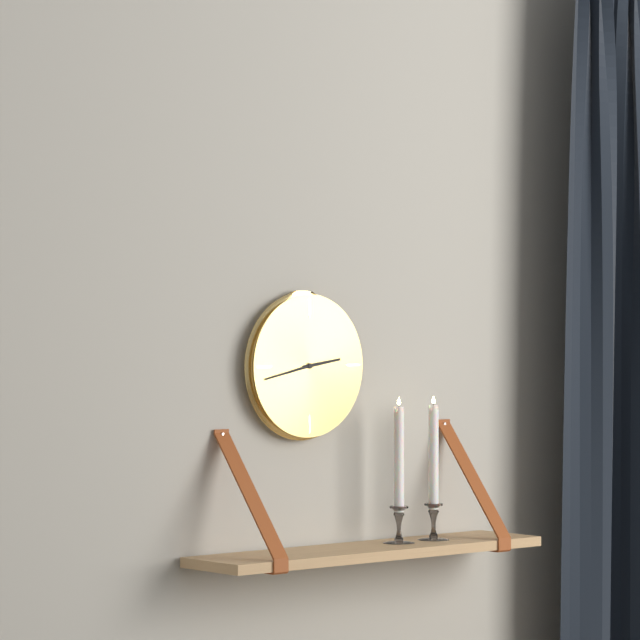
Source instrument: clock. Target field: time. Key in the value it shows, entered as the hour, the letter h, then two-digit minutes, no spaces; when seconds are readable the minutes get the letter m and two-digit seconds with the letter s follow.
2h43
